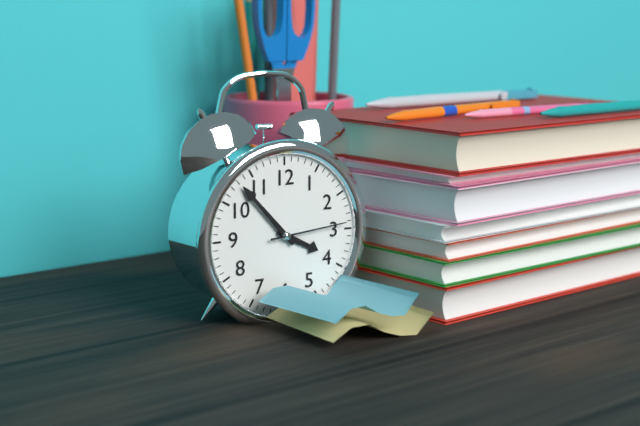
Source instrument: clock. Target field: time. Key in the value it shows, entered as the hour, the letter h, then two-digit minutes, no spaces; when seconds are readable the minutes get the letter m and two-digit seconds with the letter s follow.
3h53m14s
